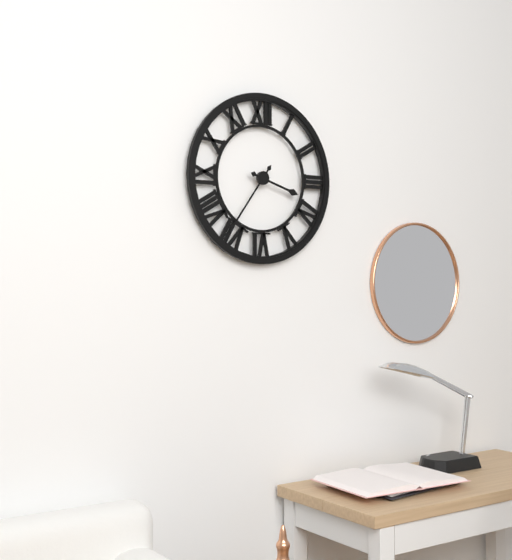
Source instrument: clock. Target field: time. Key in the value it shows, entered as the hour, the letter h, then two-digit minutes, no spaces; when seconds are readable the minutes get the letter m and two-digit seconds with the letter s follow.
3h36
